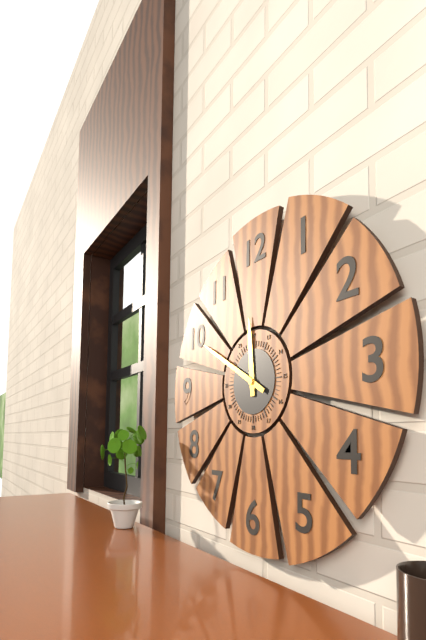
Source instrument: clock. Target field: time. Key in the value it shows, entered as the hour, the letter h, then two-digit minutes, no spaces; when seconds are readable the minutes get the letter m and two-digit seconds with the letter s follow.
11h50
